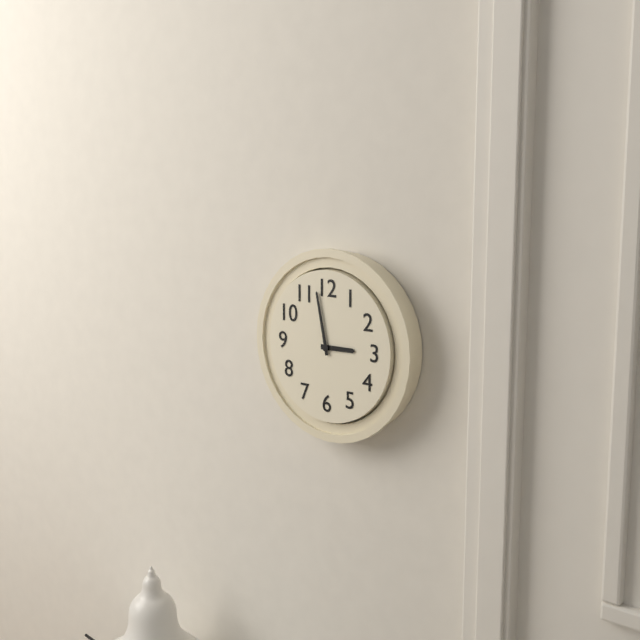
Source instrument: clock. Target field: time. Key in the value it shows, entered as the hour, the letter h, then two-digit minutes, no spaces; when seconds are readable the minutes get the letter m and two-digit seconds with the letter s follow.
2h58
